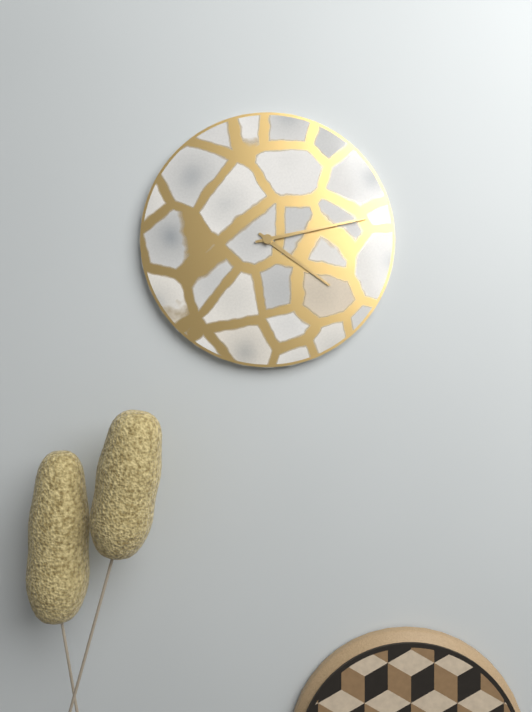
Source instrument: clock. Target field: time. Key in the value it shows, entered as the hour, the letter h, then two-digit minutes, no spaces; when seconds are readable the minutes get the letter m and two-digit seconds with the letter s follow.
4h13
